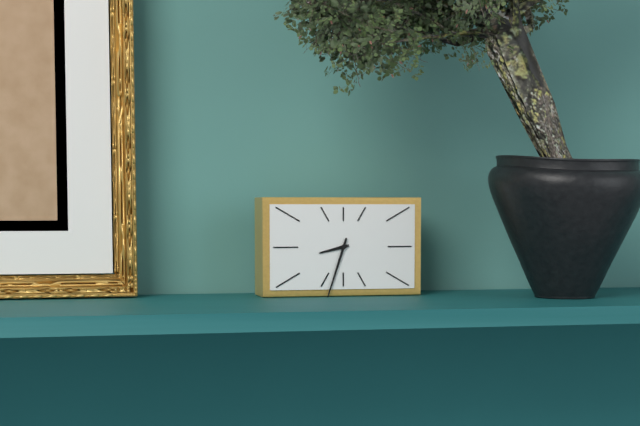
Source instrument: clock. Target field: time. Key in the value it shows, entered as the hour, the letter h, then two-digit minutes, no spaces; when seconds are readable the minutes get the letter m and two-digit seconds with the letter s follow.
8h33
